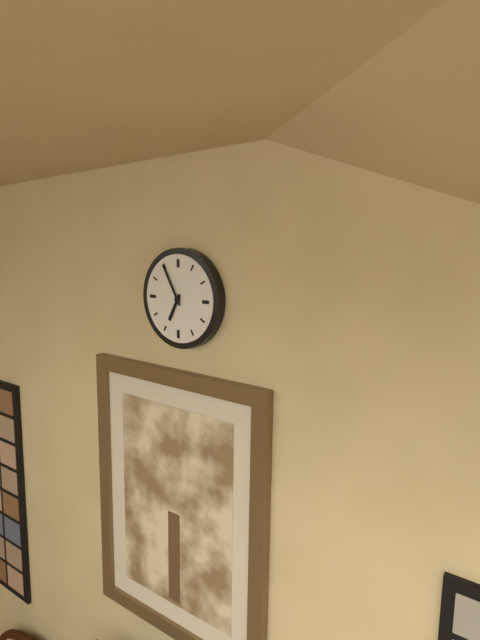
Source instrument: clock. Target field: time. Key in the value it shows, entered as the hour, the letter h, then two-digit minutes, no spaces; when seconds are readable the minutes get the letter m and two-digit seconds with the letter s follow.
6h55
